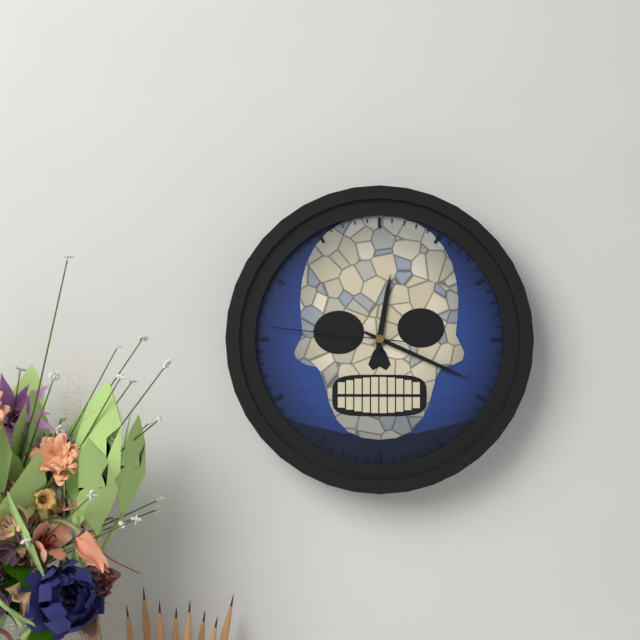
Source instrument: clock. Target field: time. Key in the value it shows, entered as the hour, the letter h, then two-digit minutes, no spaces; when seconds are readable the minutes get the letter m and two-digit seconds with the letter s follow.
12h19m46s
